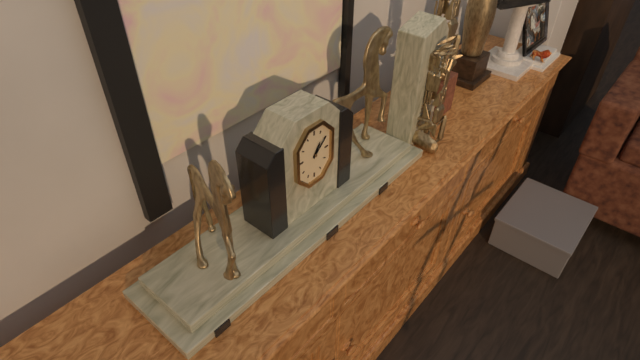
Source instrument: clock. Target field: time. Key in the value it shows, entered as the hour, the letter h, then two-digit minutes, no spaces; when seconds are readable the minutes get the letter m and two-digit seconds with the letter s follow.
1h08
